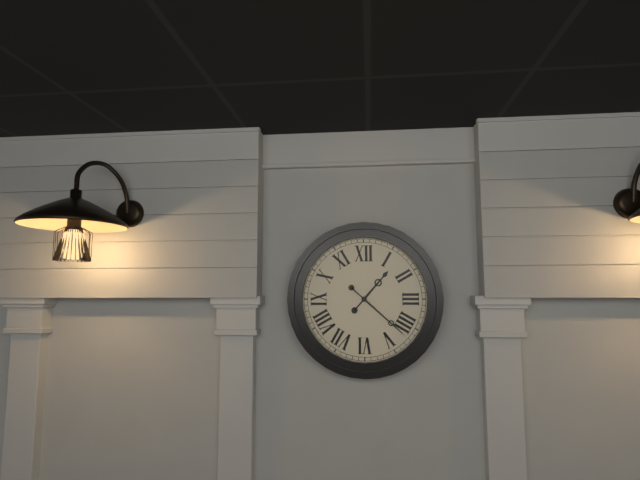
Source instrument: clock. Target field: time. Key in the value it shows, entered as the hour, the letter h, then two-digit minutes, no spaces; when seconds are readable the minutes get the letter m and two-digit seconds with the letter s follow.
1h22
